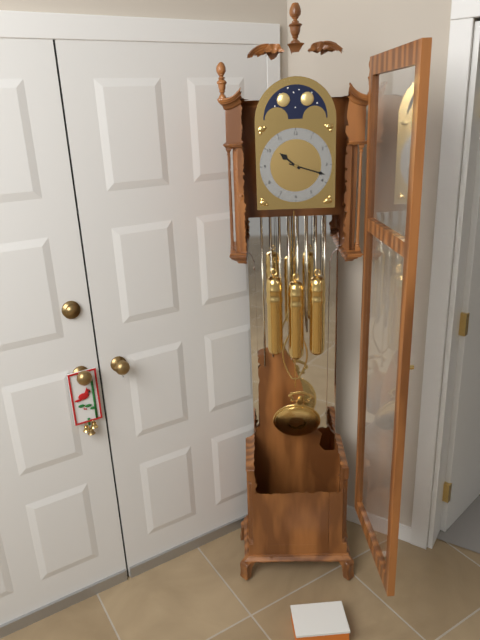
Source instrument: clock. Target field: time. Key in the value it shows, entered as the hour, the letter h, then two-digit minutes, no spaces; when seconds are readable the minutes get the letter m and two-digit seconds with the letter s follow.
10h18
